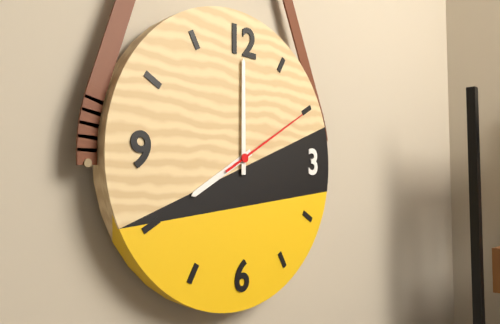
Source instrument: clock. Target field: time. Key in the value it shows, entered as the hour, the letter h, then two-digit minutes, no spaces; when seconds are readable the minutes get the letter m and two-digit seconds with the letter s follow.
8h00m10s
